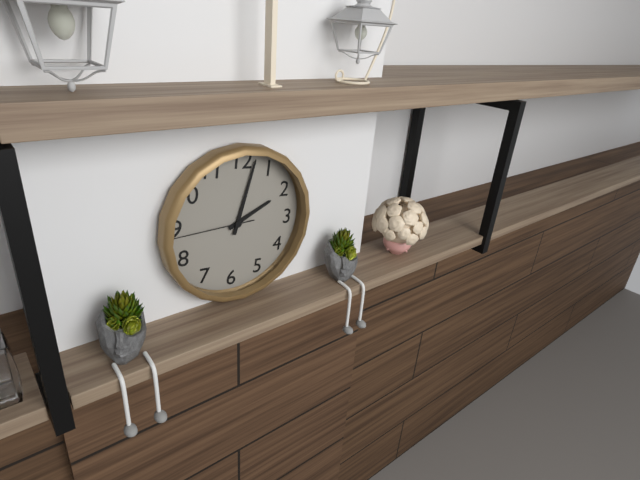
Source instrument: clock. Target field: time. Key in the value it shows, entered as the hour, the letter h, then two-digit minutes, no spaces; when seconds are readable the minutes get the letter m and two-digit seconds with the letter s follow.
2h02m44s
